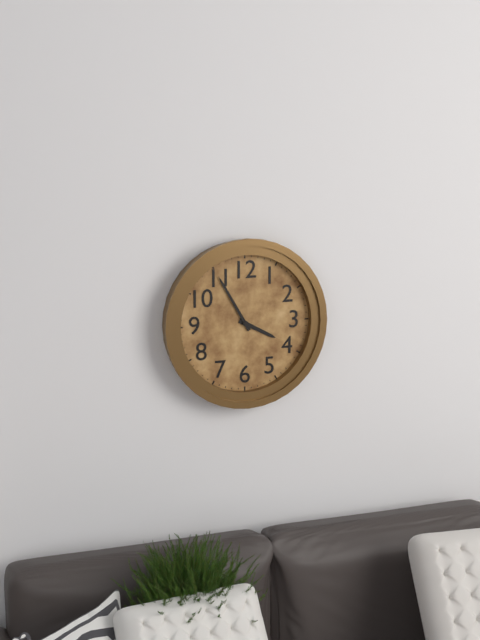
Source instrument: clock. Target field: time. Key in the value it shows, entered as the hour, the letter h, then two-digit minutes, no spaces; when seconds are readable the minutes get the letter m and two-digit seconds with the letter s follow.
3h55
